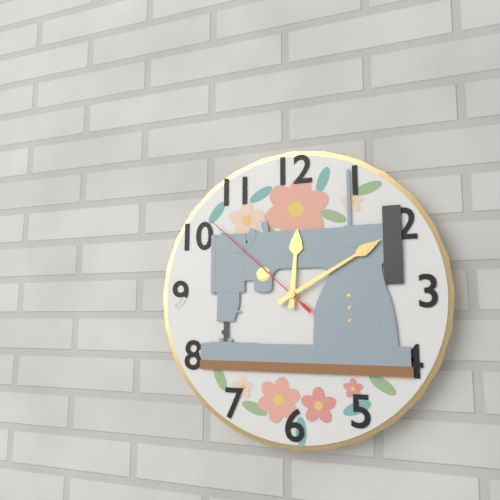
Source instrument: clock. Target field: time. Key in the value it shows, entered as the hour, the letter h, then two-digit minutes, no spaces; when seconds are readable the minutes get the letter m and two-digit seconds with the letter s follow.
12h10m52s
